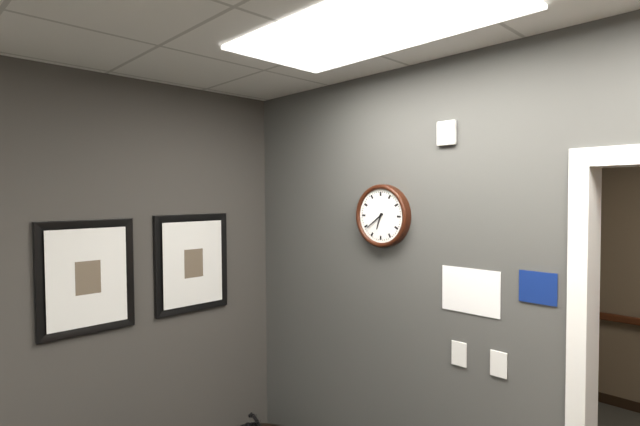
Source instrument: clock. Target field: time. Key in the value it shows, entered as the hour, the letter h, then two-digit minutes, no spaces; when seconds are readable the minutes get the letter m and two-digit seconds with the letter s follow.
6h39
